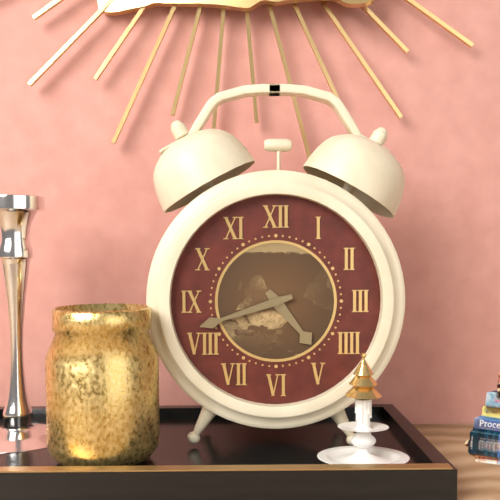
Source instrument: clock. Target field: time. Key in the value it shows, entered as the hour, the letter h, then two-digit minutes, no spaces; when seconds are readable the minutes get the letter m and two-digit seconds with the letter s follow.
4h42
